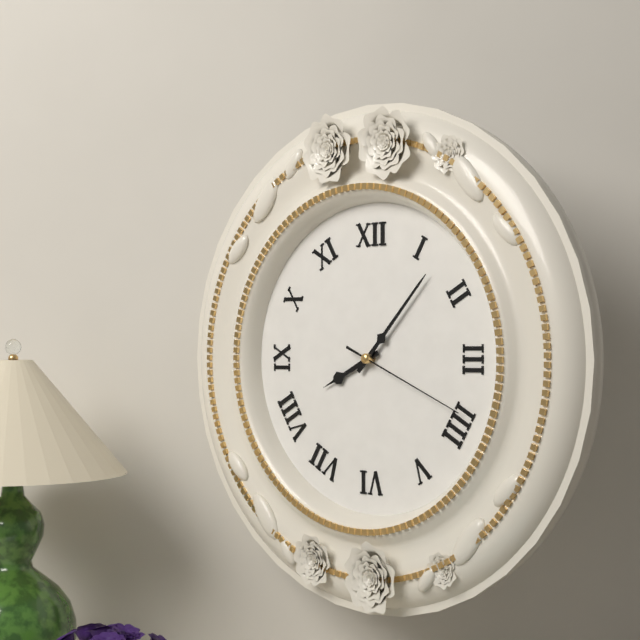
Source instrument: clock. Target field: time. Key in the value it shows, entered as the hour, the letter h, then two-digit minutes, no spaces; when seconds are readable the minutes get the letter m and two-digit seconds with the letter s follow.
8h07m19s
